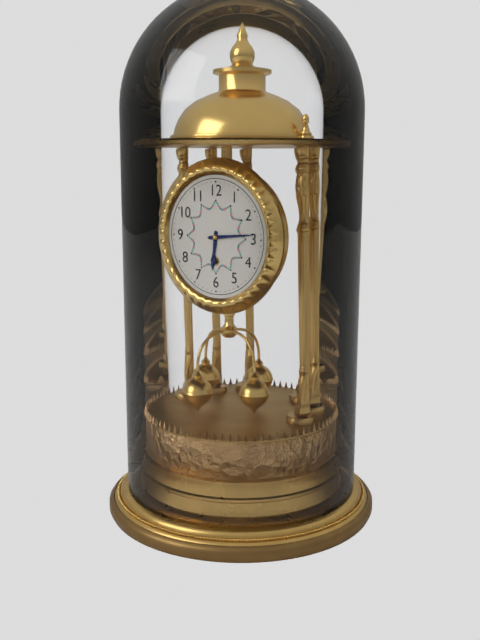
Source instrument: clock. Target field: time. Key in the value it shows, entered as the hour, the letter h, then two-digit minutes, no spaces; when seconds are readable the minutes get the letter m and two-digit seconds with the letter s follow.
6h14
